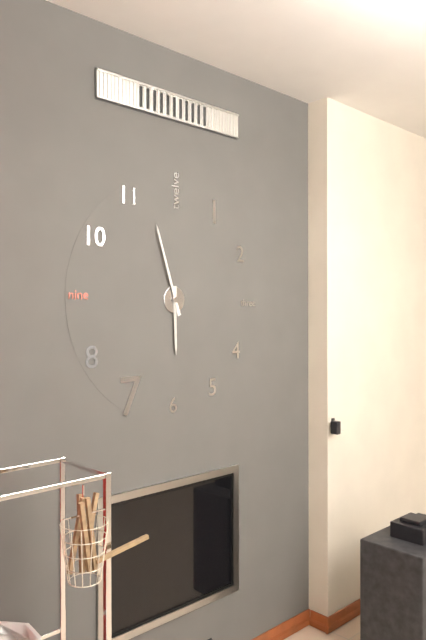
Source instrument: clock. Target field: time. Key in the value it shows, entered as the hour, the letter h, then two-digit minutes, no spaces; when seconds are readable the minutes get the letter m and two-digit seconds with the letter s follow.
5h57
